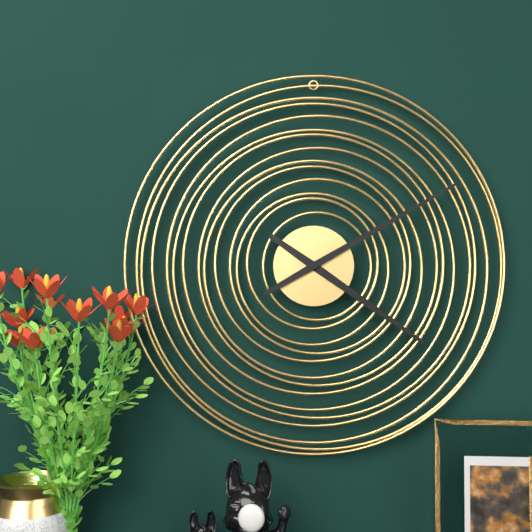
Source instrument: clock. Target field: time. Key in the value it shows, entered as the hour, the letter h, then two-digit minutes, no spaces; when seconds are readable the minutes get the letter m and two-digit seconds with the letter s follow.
4h10
